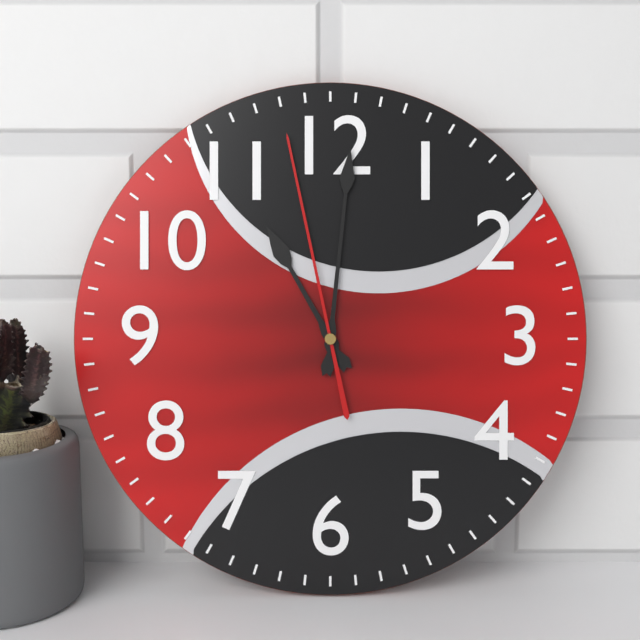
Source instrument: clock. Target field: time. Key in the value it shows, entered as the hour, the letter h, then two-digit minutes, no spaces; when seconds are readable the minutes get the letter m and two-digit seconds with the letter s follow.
11h01m58s
